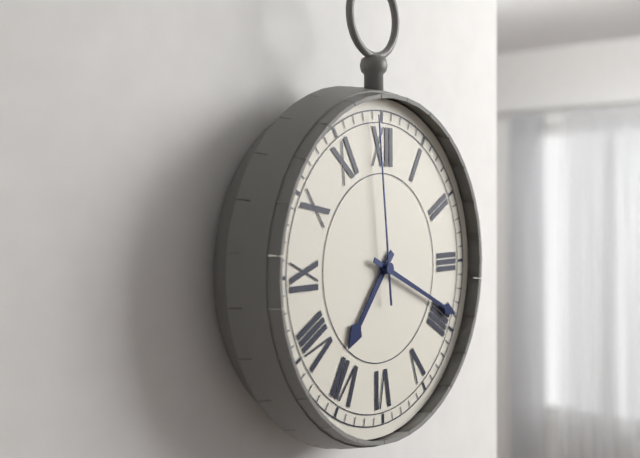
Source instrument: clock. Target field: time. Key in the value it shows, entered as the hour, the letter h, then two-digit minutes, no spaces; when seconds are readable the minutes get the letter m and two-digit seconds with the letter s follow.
7h19m59s
